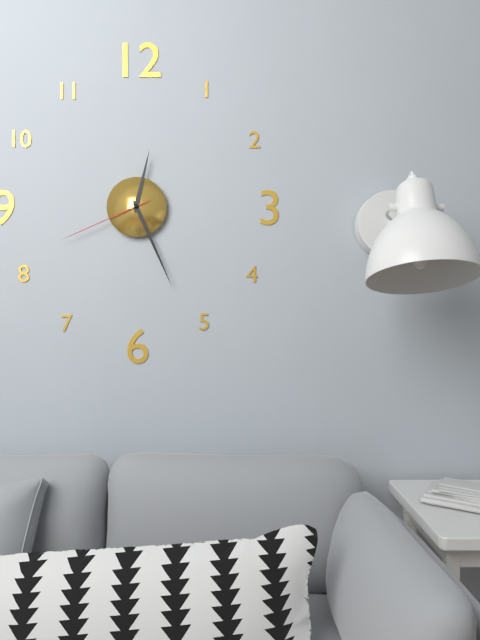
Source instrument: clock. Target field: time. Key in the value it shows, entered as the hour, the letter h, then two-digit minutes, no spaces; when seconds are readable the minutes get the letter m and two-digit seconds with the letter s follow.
12h26m41s
